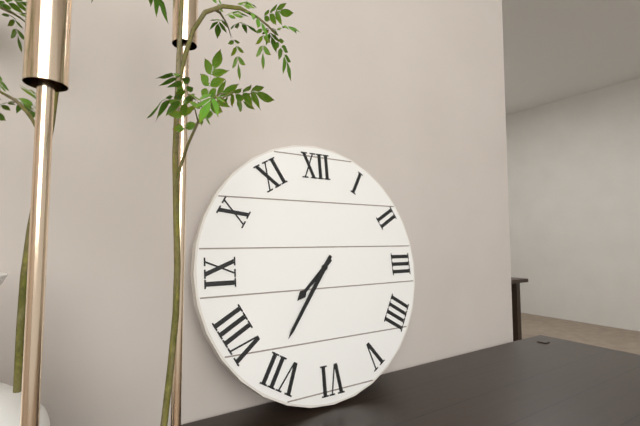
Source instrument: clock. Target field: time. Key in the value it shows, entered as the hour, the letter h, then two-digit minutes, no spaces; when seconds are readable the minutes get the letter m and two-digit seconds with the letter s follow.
7h36
